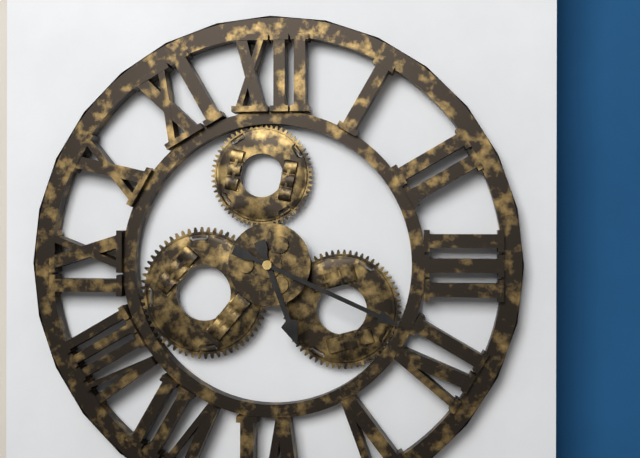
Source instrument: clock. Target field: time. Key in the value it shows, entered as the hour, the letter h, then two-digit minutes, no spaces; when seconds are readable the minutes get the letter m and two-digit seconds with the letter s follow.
5h19
